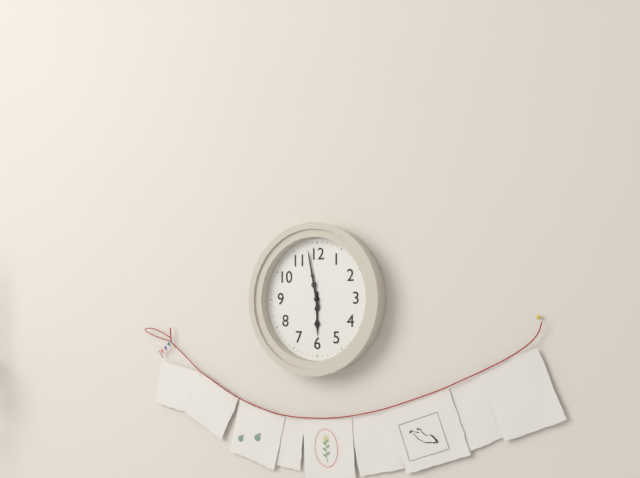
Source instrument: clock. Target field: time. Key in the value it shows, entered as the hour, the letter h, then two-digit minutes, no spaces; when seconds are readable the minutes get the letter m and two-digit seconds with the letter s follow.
5h58
